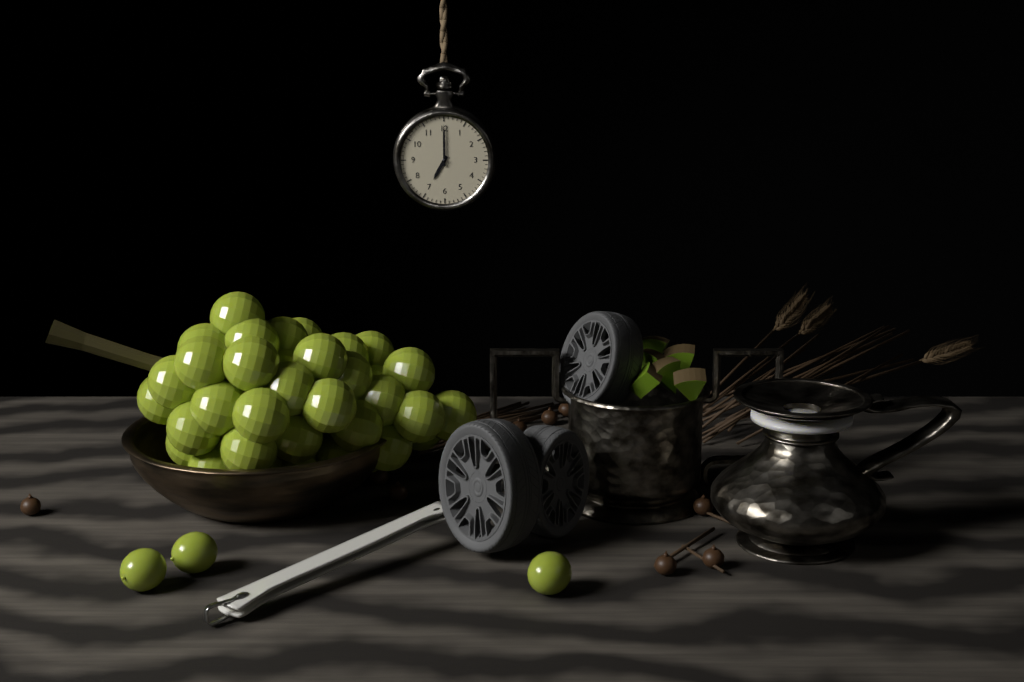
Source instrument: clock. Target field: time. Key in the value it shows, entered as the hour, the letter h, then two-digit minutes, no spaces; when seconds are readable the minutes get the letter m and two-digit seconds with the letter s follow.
7h00
